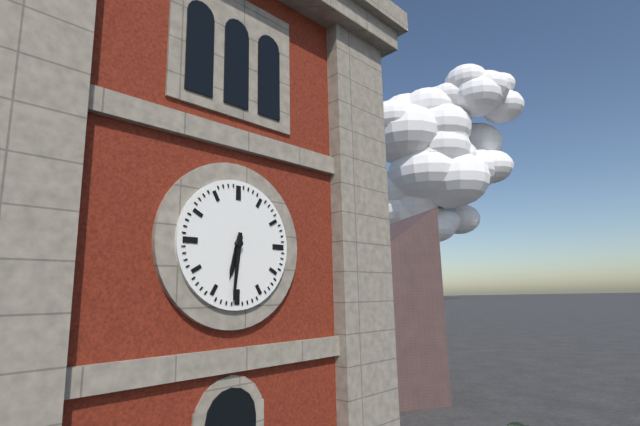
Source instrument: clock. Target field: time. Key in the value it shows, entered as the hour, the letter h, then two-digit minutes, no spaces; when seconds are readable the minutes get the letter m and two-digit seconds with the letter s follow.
6h31
